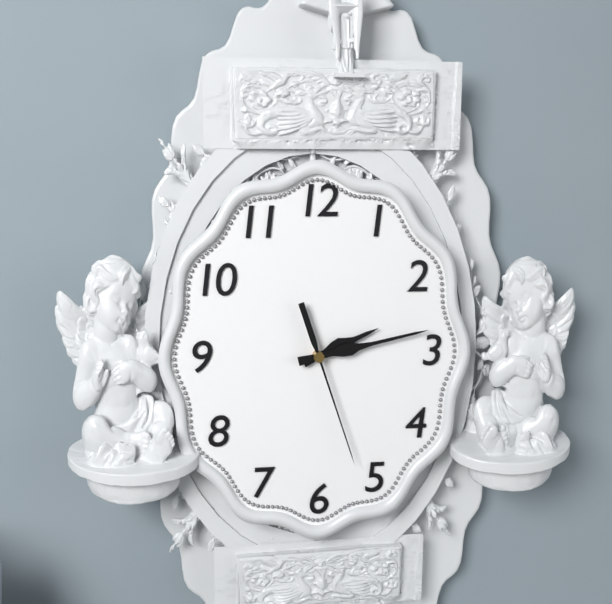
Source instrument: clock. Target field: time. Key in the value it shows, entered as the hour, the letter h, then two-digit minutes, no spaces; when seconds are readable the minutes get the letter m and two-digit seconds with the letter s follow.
2h13m27s
